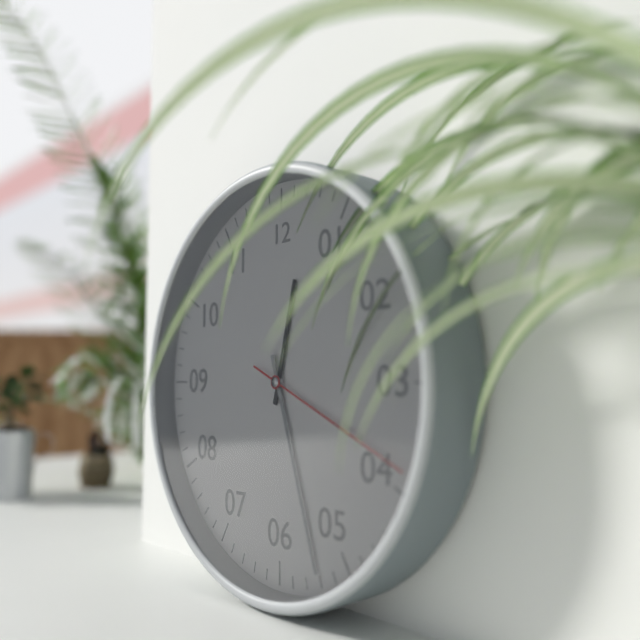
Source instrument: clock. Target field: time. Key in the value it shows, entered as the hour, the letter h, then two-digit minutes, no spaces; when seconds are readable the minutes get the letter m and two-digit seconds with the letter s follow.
12h27m19s
